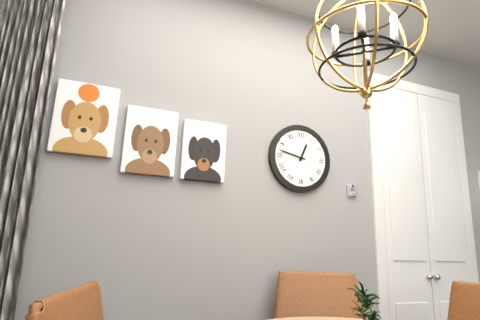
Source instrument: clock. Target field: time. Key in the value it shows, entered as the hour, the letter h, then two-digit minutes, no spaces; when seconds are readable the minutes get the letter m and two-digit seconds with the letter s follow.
12h47
